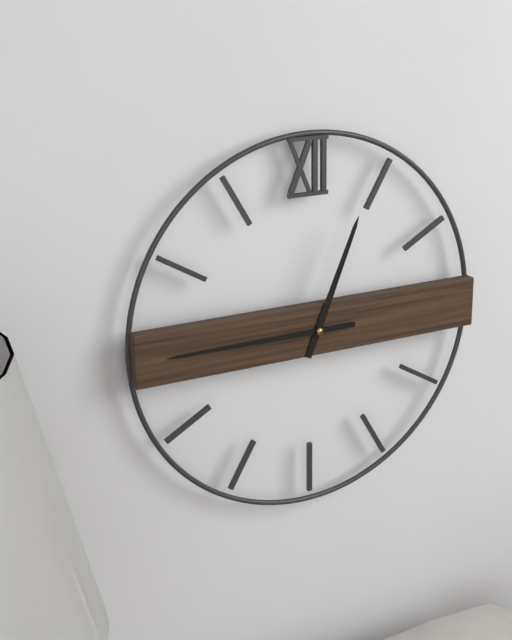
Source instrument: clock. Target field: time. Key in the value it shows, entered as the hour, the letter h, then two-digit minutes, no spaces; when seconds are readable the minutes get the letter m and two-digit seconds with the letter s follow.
12h45
